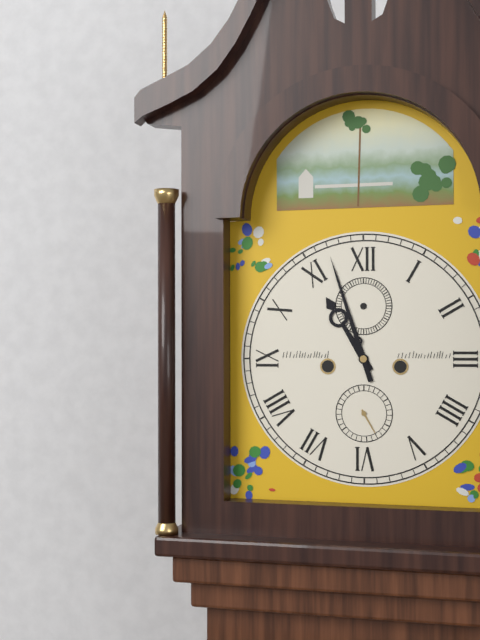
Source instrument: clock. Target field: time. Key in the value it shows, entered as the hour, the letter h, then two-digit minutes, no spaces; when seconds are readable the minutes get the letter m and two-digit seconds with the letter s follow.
10h57
